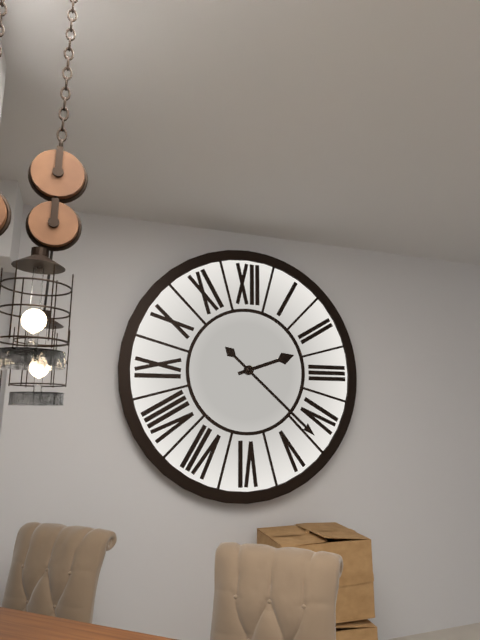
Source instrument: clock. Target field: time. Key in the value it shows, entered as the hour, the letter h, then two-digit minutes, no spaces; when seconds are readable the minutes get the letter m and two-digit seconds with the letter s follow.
2h22
